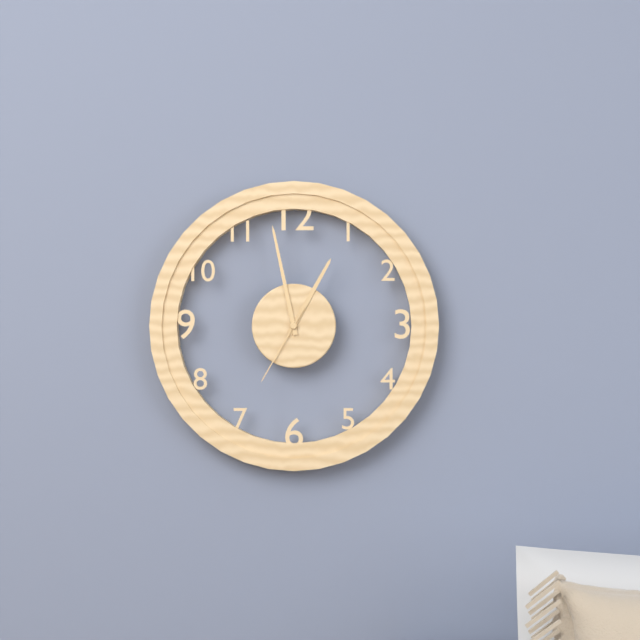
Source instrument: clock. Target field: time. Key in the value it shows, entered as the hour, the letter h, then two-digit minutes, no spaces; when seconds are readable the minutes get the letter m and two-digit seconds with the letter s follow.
12h58m35s
